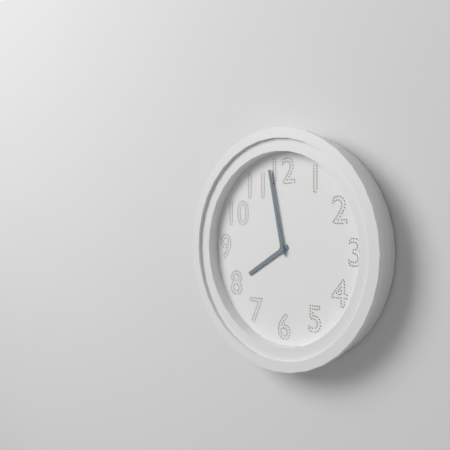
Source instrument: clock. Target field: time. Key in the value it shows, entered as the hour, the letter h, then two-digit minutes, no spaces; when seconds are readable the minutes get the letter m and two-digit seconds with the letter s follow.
7h58
